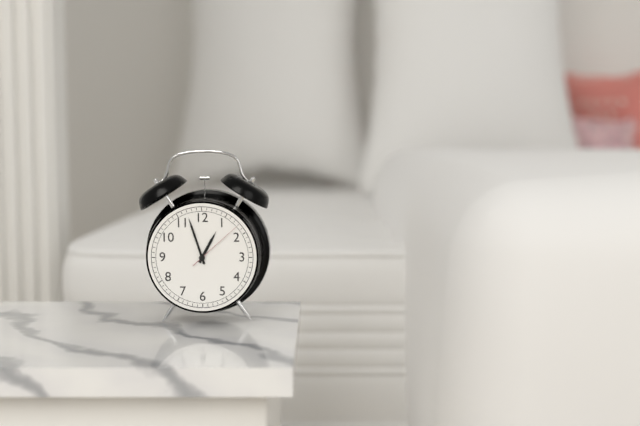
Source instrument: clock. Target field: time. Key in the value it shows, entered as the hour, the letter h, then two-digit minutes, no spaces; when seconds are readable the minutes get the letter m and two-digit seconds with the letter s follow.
12h57m08s
